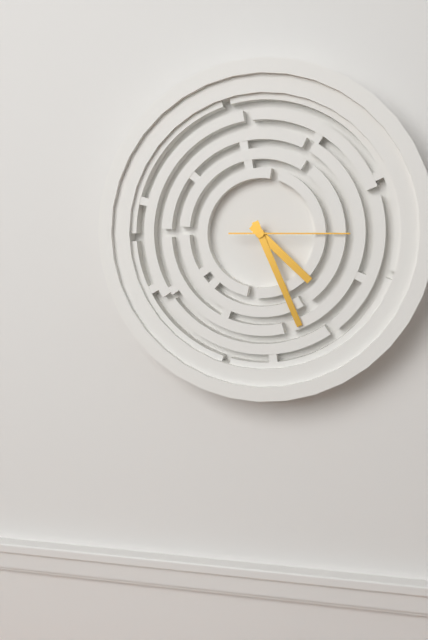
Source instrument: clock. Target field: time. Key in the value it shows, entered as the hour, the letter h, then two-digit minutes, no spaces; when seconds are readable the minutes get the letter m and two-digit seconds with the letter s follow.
4h26m15s
